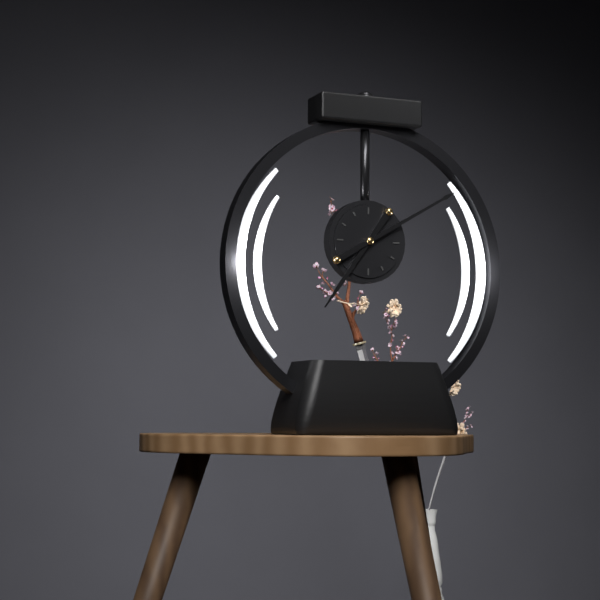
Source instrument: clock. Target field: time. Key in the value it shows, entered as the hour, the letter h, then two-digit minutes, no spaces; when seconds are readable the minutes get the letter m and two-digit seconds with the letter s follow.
7h10
